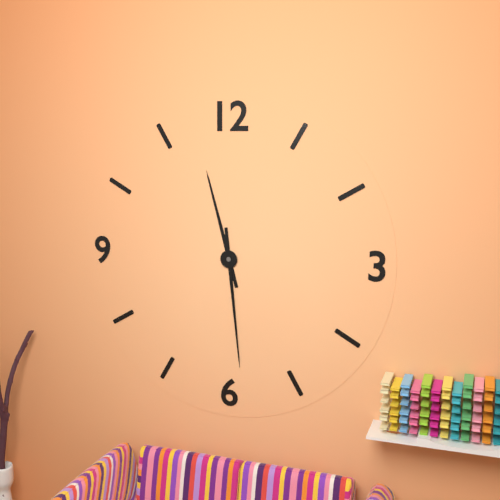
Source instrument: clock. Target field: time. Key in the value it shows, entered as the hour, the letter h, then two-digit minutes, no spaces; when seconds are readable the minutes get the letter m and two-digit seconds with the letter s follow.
11h29
